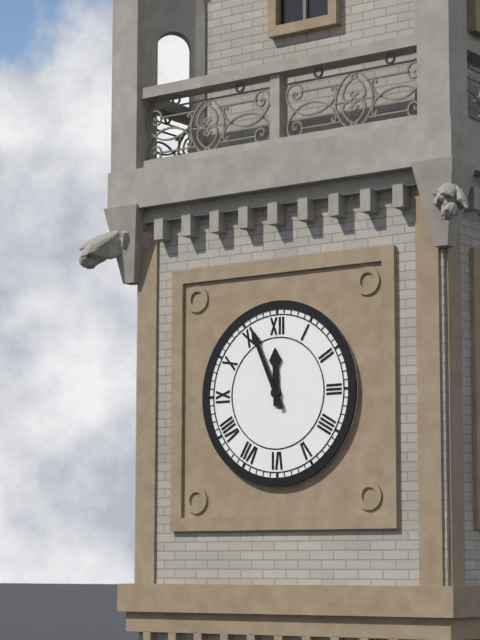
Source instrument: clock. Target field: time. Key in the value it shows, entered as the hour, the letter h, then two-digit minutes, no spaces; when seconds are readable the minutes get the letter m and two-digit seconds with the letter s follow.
11h56
